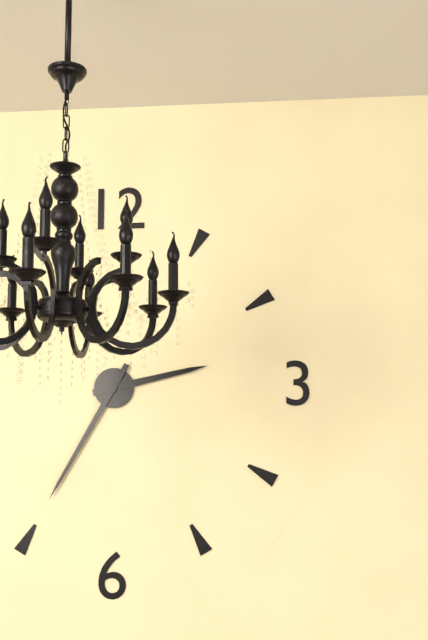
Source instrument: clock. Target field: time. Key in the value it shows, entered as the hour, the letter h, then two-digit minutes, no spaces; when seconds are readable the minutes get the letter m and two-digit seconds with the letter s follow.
2h35
